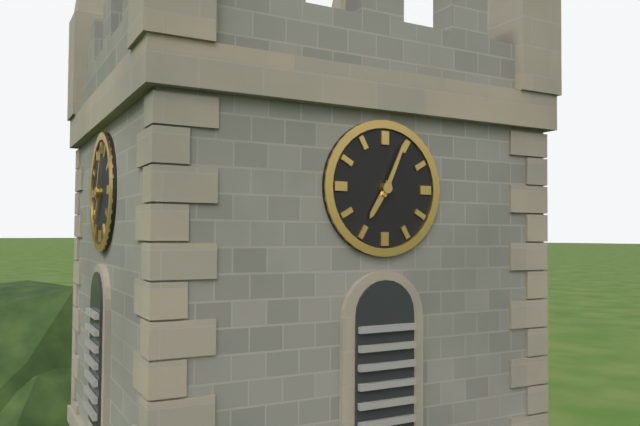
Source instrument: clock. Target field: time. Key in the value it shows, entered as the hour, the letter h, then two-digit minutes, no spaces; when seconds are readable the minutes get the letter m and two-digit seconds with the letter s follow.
7h04
